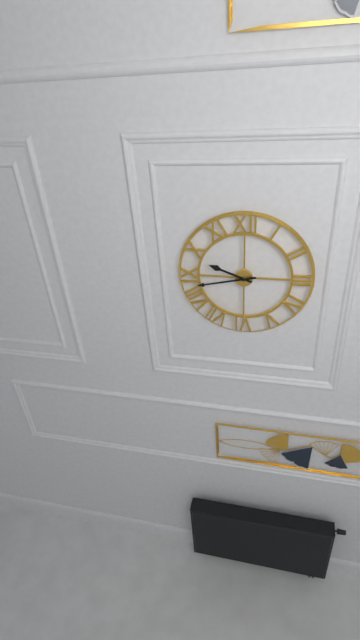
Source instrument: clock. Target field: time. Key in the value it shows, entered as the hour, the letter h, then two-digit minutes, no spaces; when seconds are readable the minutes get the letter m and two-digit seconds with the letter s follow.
9h43
